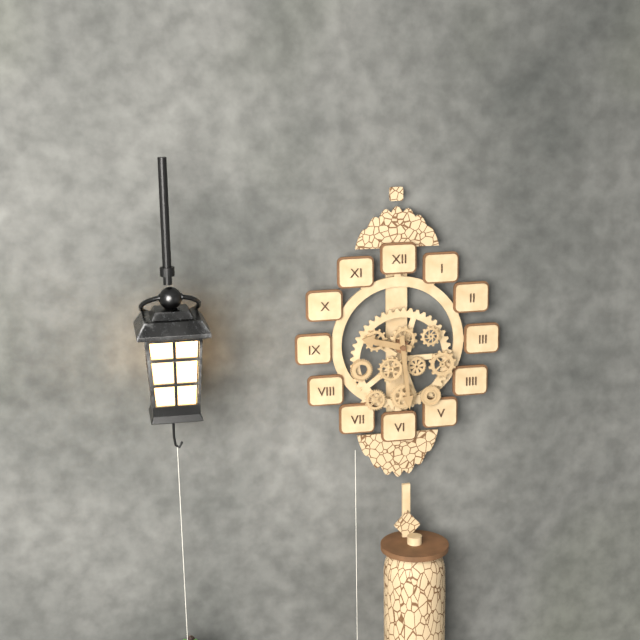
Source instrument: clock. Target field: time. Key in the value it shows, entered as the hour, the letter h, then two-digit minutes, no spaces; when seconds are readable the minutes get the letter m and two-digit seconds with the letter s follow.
9h29
